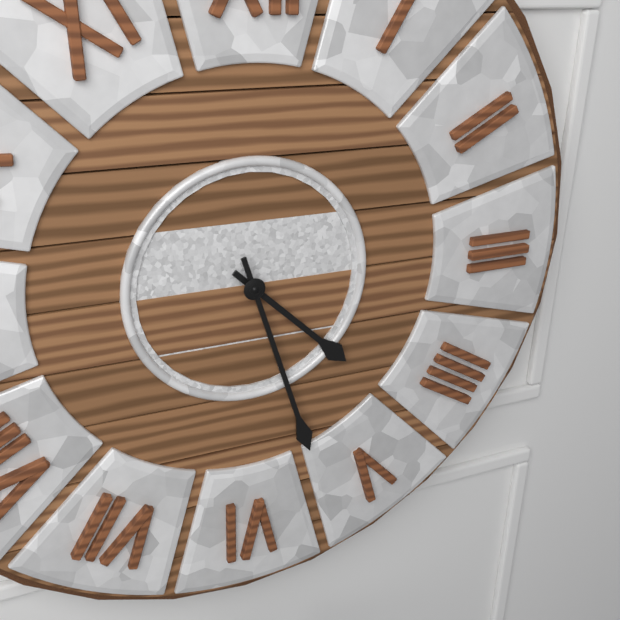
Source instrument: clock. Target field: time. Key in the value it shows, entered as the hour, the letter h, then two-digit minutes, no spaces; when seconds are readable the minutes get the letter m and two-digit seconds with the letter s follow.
4h27
